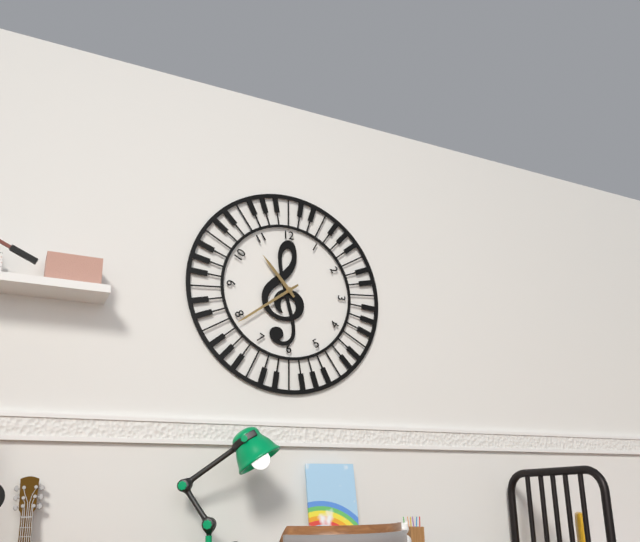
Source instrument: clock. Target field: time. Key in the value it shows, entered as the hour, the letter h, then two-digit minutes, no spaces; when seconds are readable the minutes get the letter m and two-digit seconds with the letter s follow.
10h39
